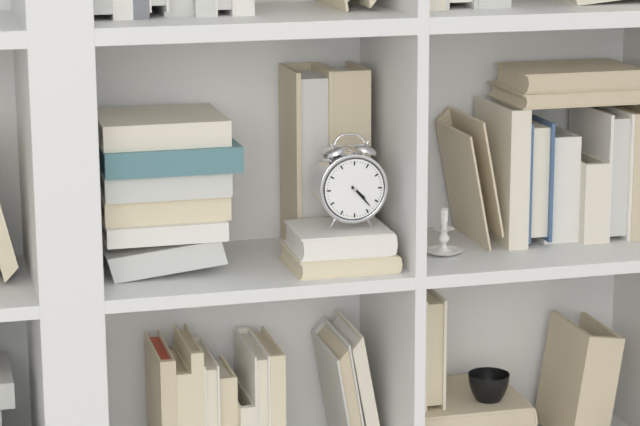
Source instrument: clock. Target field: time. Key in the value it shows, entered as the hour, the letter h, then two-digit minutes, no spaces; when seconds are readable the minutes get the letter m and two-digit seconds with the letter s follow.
4h23
